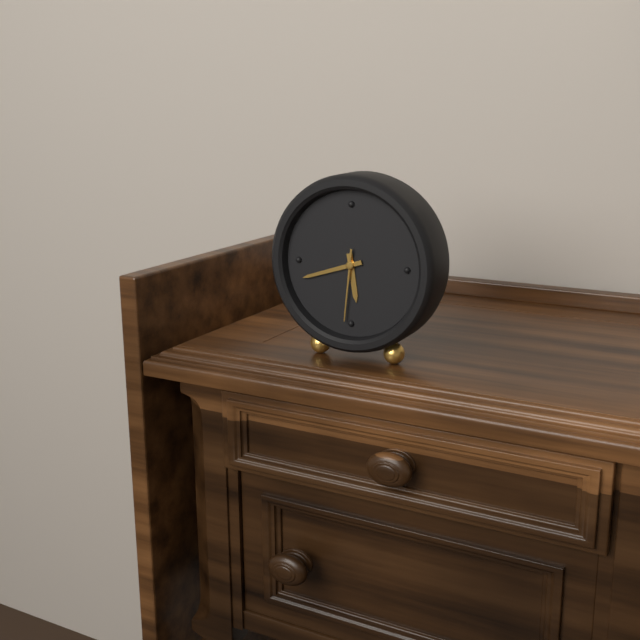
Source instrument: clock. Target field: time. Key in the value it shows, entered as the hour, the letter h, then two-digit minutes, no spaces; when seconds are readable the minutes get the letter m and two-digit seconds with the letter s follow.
5h42m31s
